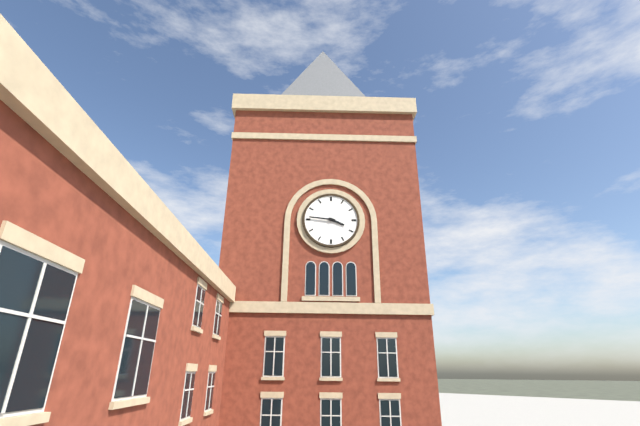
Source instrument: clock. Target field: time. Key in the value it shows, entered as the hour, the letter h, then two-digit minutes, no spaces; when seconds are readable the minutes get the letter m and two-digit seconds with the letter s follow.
3h46
